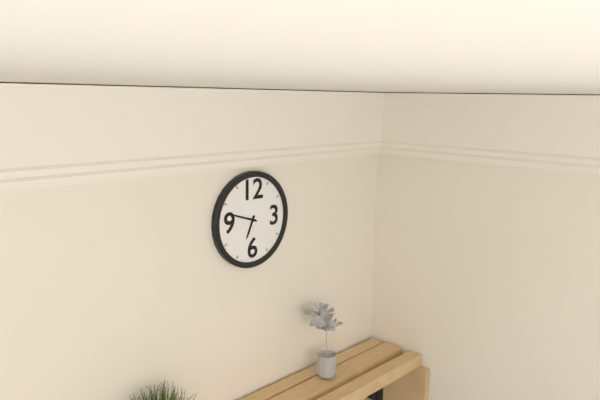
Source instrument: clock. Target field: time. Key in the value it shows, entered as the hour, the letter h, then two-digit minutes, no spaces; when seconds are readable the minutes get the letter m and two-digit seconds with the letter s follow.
6h48
